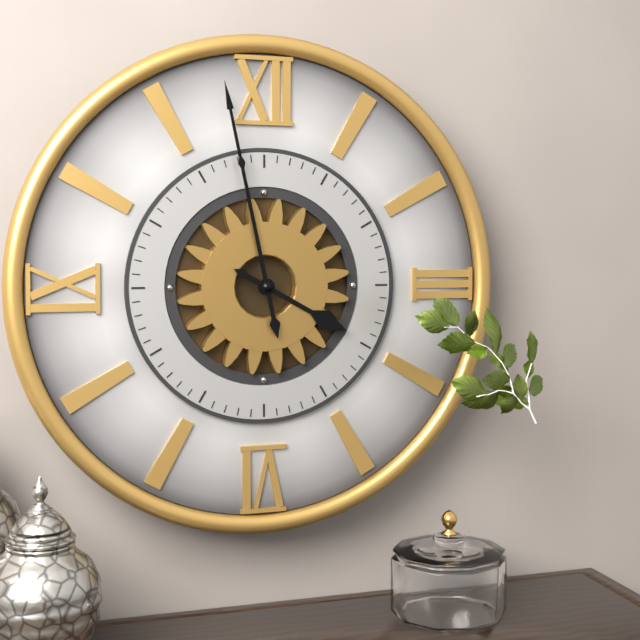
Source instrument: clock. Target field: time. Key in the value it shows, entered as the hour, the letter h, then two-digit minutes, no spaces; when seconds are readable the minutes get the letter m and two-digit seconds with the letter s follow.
3h58
